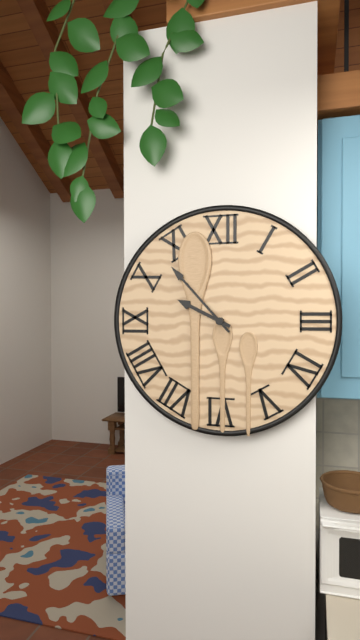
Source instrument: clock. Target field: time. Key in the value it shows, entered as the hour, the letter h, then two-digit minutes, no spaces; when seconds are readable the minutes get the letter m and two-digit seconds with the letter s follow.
9h53
